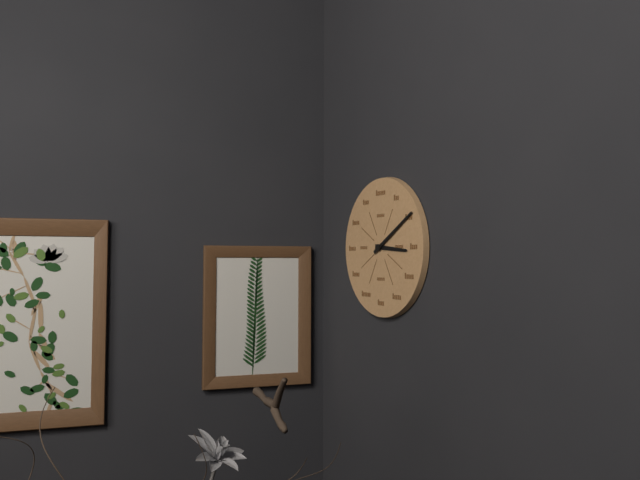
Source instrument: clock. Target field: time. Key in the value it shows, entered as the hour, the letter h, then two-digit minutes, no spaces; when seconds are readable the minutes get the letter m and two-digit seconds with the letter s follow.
3h10
